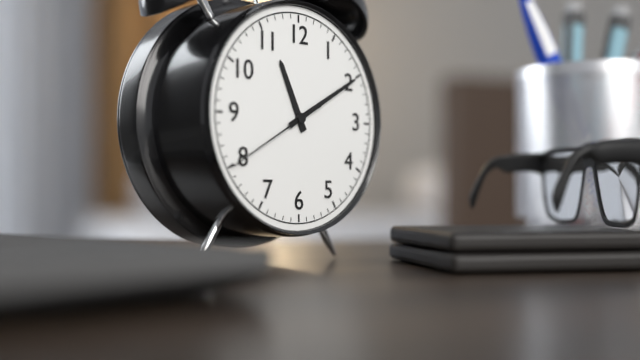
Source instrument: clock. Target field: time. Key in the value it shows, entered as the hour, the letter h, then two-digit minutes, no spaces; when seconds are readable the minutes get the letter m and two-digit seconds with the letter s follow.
11h10m40s
